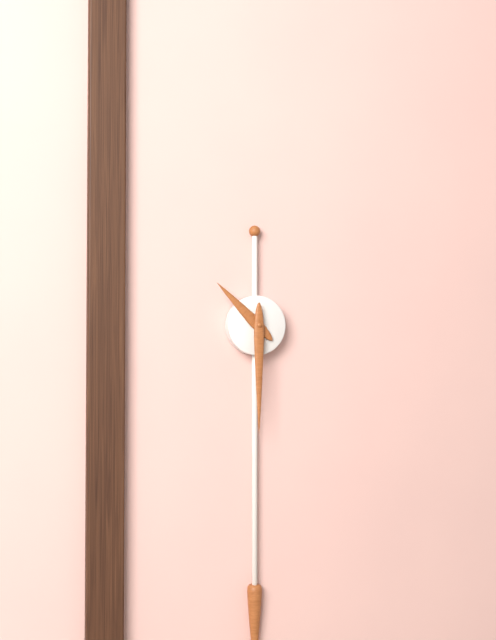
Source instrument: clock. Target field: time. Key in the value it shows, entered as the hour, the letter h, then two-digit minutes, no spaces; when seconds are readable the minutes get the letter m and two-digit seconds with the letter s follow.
10h30
